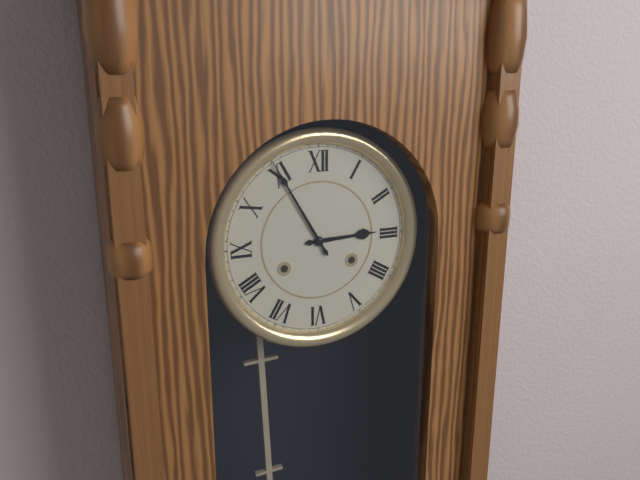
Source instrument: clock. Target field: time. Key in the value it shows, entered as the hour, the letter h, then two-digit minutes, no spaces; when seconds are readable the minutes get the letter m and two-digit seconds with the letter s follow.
2h55
